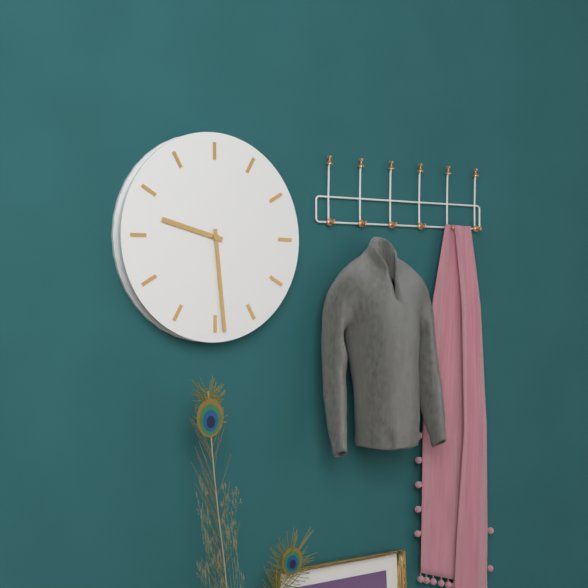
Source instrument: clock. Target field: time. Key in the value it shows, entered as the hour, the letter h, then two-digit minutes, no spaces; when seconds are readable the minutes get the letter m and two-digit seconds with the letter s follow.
9h29
